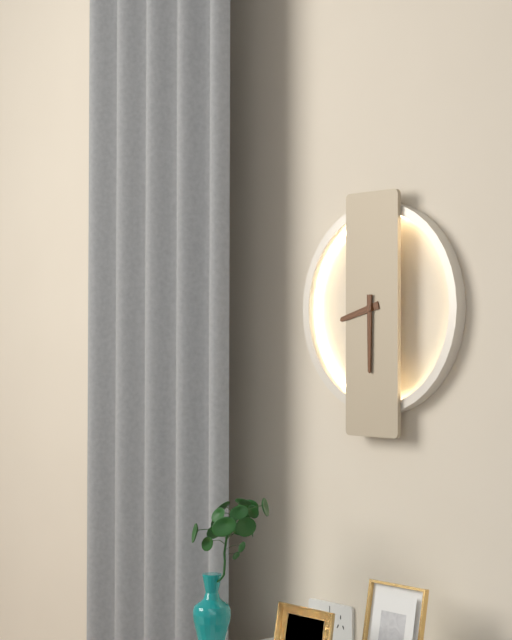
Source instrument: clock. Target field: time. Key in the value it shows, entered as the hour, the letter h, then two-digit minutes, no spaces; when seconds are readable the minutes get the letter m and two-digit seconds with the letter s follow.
8h30
